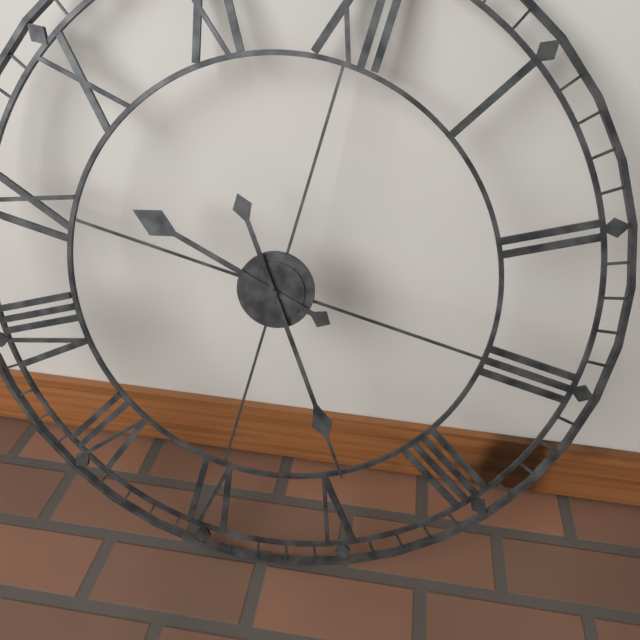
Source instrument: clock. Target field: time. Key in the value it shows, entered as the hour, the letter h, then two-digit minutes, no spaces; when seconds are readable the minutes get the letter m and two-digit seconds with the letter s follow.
9h24
